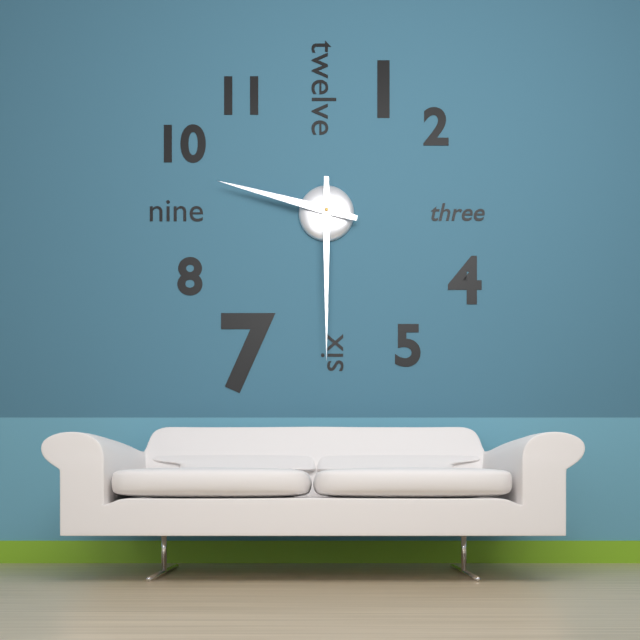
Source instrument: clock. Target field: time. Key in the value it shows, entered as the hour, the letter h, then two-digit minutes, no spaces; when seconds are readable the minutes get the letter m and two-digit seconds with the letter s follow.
9h30
